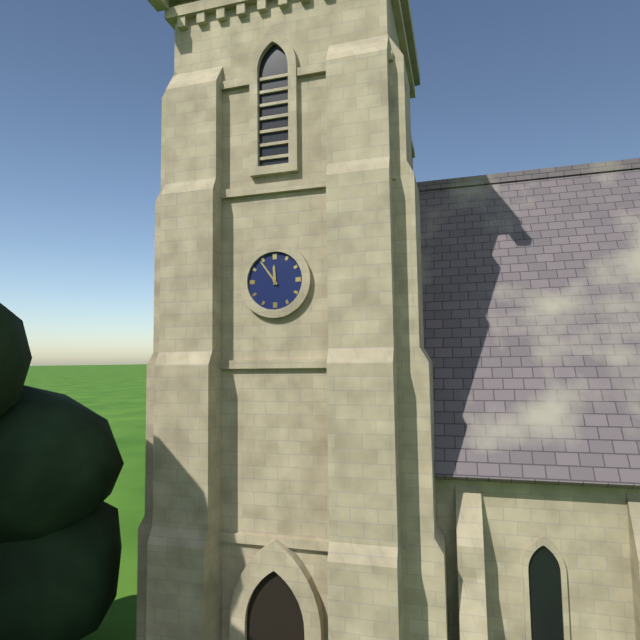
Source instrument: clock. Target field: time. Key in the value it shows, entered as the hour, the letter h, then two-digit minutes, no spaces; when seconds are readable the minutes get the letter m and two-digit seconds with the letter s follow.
11h54
